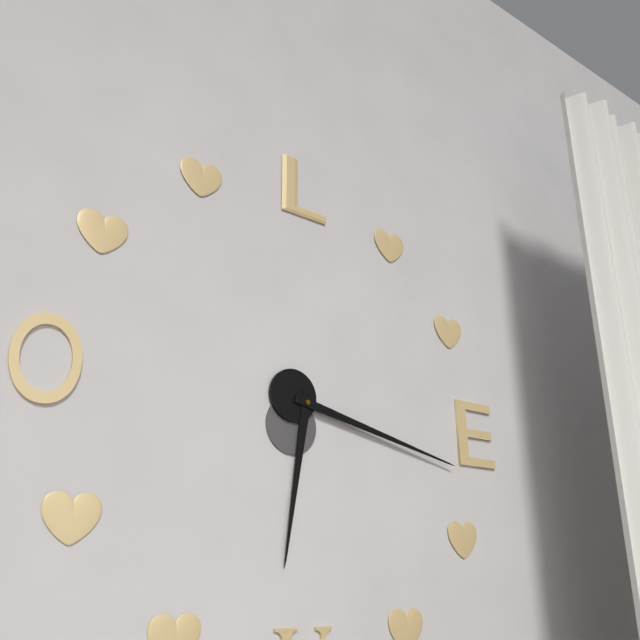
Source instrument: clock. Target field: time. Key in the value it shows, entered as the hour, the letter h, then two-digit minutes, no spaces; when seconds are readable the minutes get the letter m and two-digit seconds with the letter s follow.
6h17
